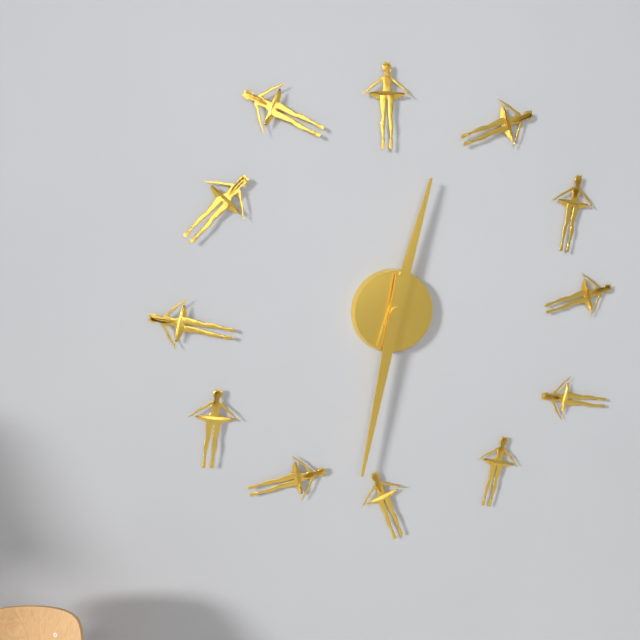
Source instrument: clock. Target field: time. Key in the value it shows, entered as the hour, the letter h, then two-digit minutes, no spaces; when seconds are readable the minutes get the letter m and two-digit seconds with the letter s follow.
12h32
